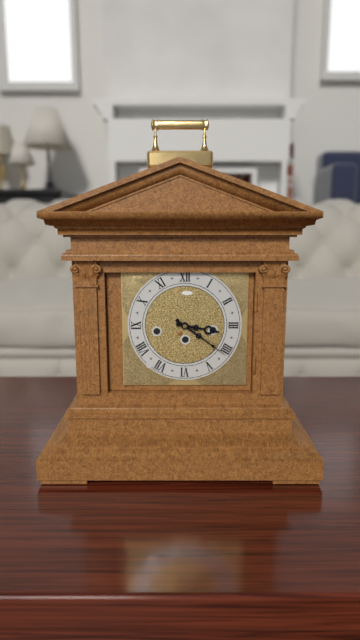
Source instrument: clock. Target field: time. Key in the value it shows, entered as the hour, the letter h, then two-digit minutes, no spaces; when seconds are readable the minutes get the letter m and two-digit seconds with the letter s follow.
3h21
